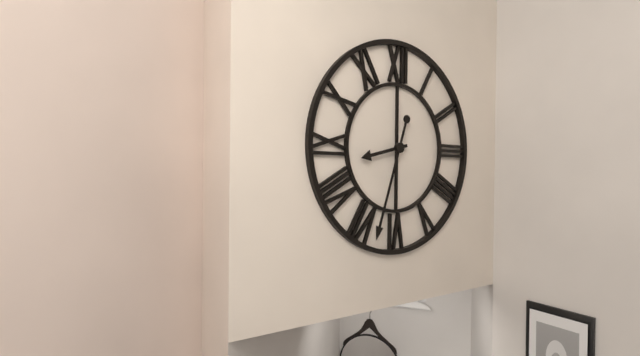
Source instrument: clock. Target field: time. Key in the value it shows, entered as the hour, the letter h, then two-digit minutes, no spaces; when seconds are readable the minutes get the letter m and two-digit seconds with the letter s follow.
8h33
